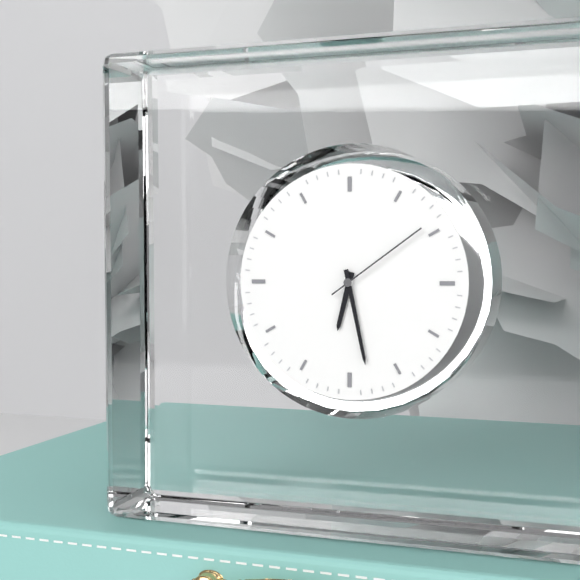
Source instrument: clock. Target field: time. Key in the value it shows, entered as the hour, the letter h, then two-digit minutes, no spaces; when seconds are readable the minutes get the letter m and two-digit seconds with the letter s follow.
6h28m09s
